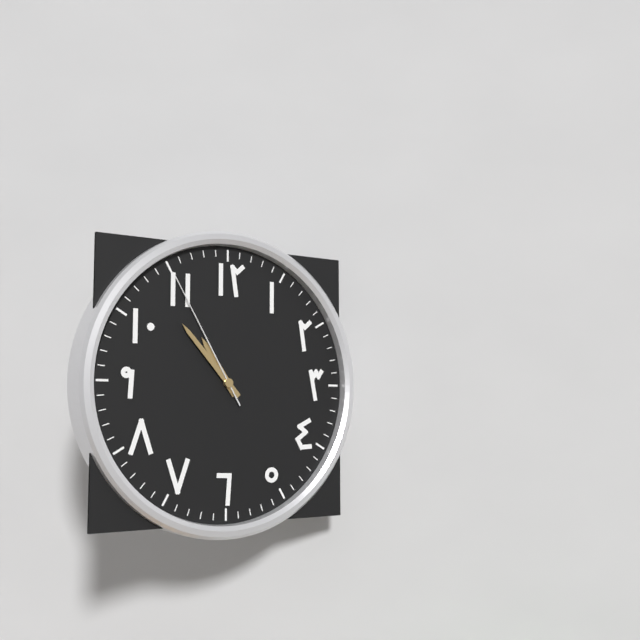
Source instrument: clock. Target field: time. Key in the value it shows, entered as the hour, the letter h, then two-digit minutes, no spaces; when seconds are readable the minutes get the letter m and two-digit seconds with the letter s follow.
10h53m55s
